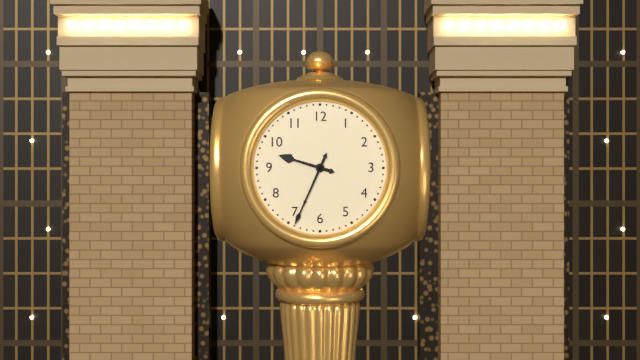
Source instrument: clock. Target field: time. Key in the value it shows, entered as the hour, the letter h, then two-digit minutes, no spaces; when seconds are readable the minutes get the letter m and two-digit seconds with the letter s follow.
9h34
